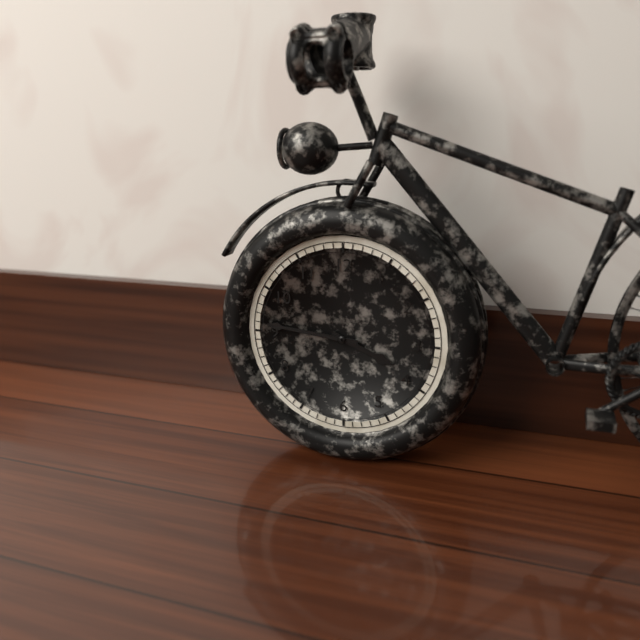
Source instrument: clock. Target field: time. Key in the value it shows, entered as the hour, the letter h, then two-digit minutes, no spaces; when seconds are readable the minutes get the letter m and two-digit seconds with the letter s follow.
3h46
